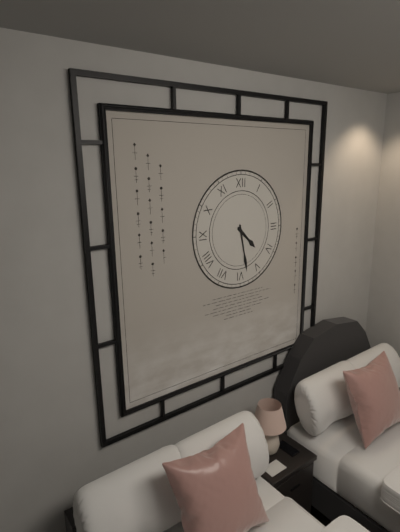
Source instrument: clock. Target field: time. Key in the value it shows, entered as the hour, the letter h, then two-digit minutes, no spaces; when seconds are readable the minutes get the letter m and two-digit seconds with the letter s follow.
4h28
